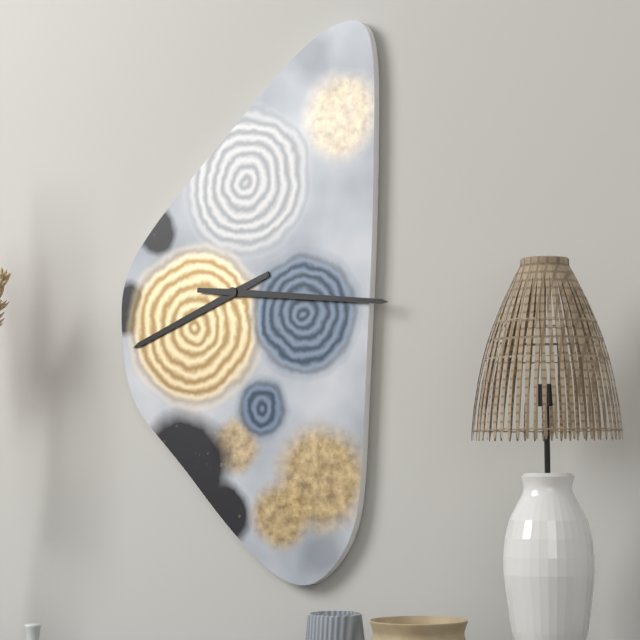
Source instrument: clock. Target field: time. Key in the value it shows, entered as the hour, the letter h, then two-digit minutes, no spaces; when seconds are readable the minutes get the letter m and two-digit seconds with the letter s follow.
8h16
